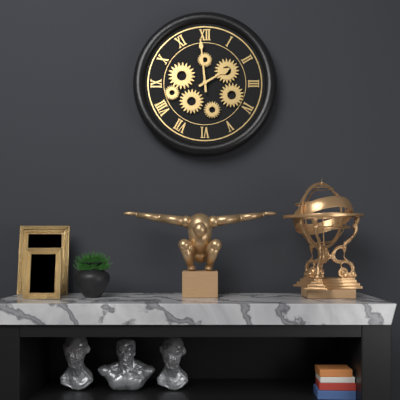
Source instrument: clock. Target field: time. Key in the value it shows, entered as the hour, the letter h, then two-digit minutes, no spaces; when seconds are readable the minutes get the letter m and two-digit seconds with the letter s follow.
1h59
